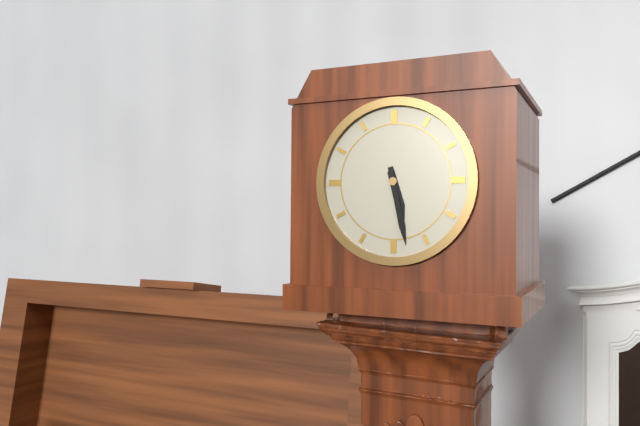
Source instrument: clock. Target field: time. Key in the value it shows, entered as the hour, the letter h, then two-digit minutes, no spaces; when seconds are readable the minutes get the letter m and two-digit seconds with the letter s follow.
5h28
